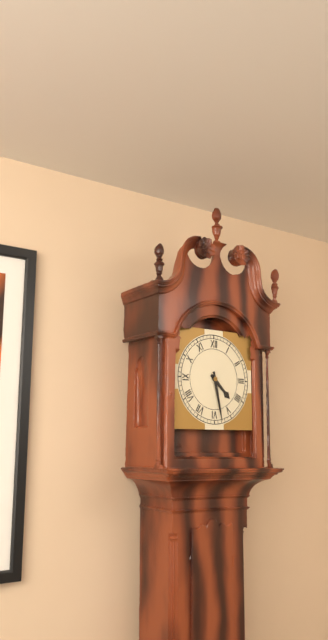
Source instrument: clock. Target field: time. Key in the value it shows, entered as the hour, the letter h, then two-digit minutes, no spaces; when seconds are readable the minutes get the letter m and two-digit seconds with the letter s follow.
4h28
